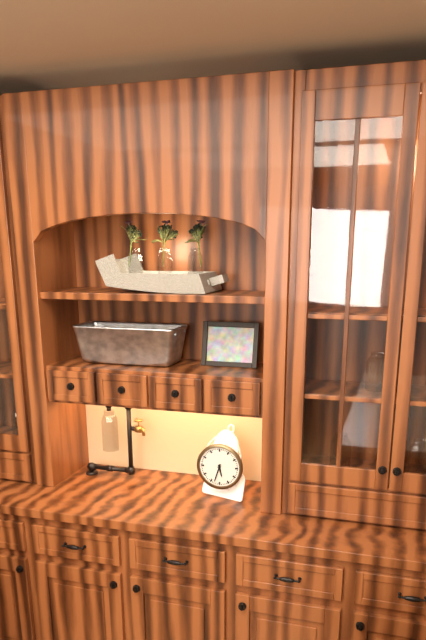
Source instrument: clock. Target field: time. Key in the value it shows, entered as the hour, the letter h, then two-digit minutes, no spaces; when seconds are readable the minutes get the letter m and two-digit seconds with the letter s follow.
5h33
